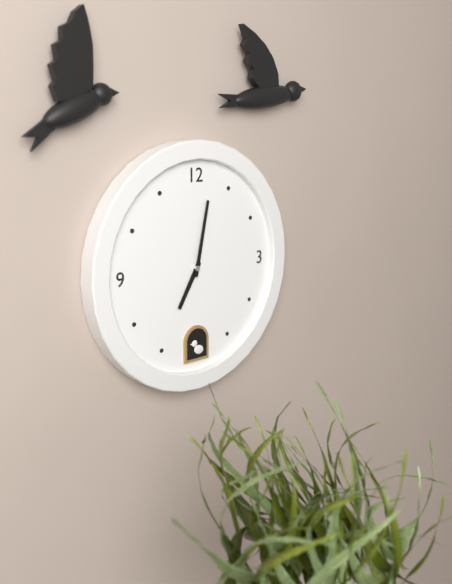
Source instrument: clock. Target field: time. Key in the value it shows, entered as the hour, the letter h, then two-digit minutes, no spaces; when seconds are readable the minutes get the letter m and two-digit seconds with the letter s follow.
7h02
